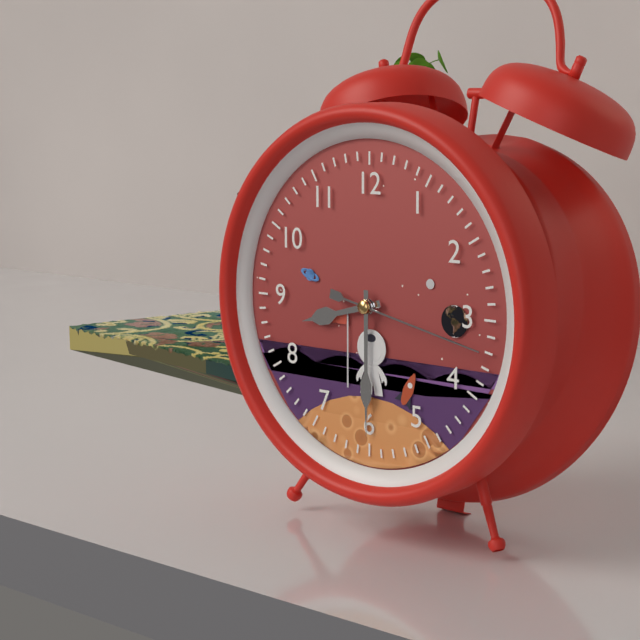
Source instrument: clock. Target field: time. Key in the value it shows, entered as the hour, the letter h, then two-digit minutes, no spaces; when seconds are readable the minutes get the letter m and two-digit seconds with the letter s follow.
8h30m17s
